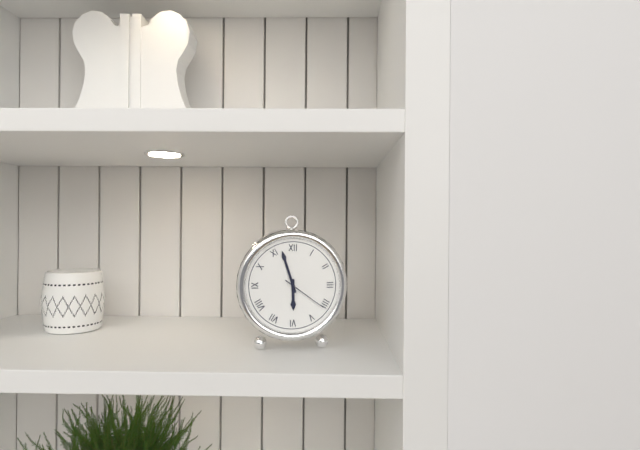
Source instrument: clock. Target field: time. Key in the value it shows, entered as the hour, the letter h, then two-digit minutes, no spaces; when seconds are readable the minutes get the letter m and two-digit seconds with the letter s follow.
5h57m21s
